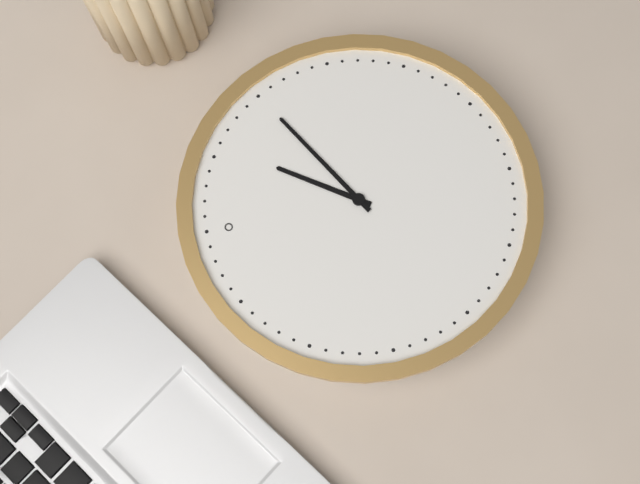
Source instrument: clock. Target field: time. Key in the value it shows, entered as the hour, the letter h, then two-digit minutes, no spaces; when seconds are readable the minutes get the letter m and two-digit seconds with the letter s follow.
1h10
